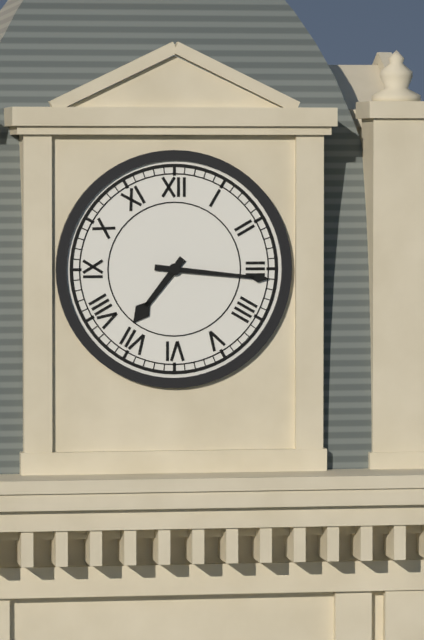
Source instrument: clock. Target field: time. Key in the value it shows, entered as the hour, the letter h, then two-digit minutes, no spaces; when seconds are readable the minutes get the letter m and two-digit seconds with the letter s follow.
7h16
